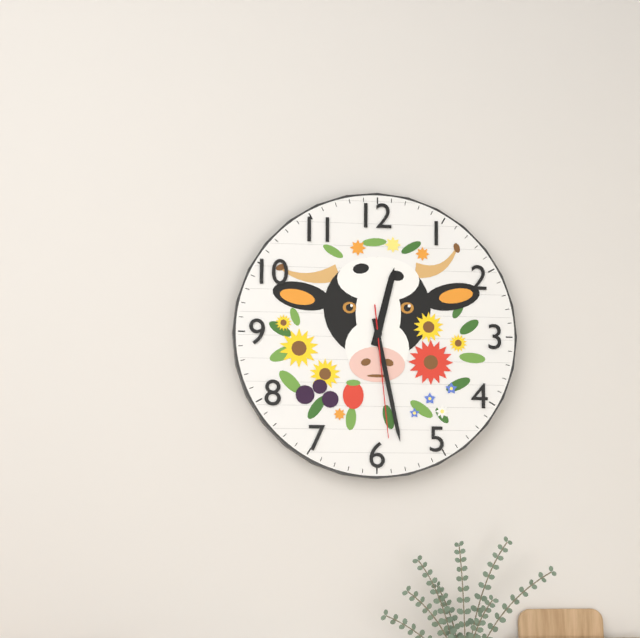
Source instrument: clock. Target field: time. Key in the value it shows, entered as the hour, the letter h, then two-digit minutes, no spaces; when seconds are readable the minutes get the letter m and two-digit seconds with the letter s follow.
12h28m29s
